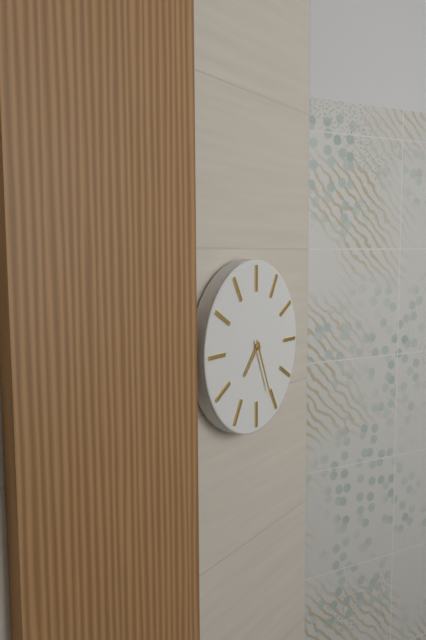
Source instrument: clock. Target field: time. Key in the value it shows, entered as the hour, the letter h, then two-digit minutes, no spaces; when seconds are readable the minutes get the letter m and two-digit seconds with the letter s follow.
7h26
